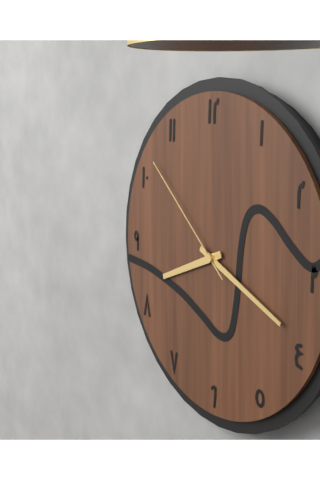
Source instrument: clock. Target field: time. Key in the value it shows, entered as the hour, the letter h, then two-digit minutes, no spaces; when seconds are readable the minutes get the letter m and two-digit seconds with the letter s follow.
8h19m52s
